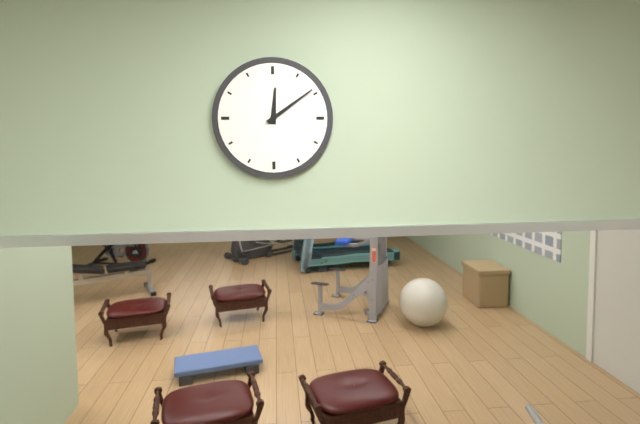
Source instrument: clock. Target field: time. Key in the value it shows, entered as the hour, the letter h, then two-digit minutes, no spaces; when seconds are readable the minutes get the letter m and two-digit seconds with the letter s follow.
12h09
